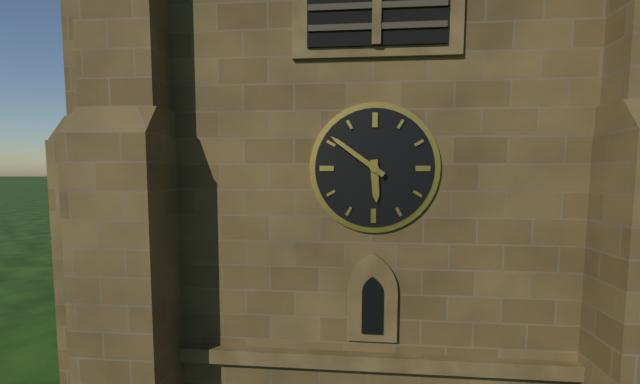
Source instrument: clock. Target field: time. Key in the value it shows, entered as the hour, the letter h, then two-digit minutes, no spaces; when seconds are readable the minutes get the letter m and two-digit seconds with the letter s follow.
5h51
